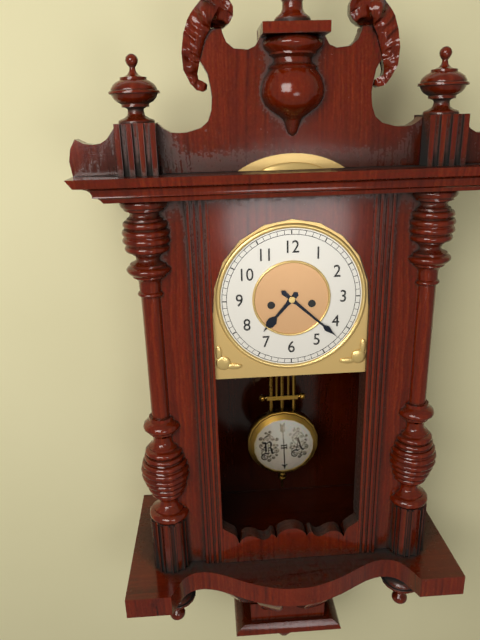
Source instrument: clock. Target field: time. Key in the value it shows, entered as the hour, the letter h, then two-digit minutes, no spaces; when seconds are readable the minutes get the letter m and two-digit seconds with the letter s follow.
7h22
